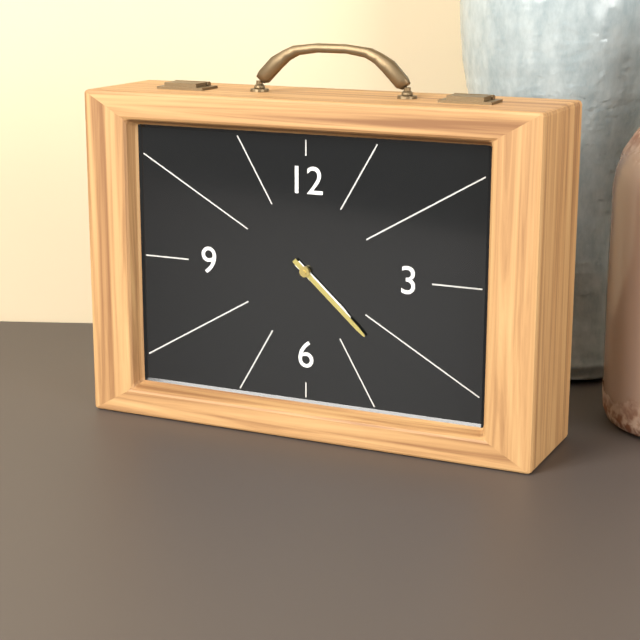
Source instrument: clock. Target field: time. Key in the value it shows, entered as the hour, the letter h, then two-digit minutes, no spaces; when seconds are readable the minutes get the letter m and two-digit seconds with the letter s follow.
4h22
